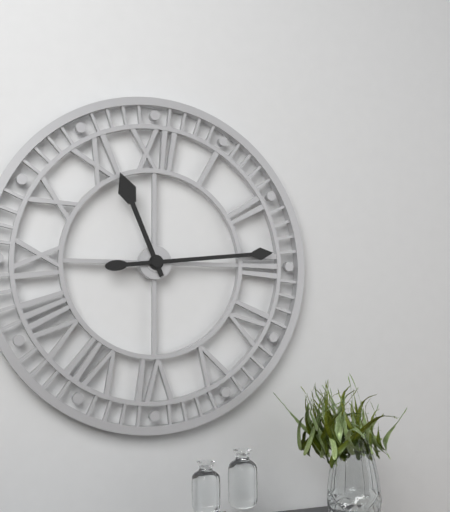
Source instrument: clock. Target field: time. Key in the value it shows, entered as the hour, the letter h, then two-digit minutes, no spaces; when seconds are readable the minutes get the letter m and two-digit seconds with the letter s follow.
11h14
